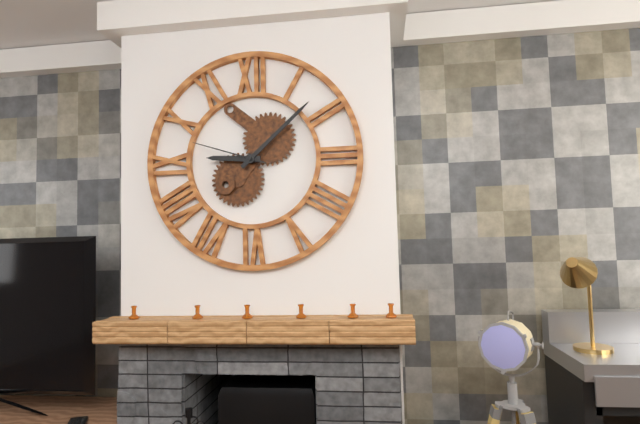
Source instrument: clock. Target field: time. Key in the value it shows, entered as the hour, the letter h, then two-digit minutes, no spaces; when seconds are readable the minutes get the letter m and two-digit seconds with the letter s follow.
9h08m48s
